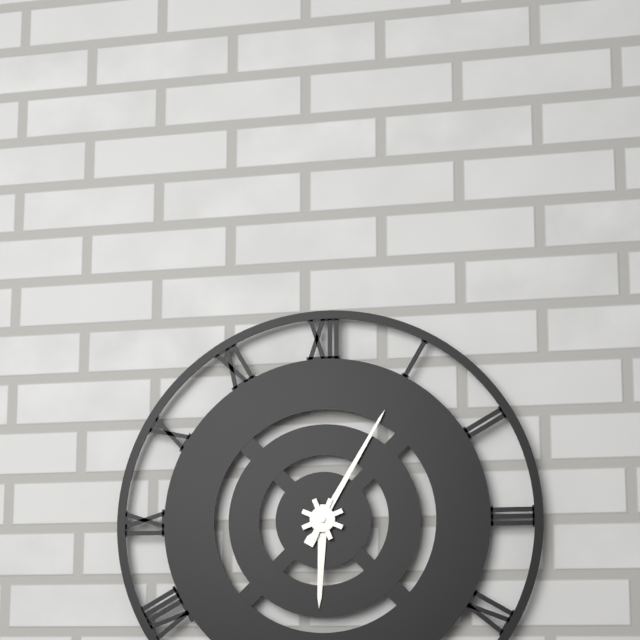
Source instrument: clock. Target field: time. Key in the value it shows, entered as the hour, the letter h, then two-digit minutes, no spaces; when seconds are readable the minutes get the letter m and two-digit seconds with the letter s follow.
6h05
